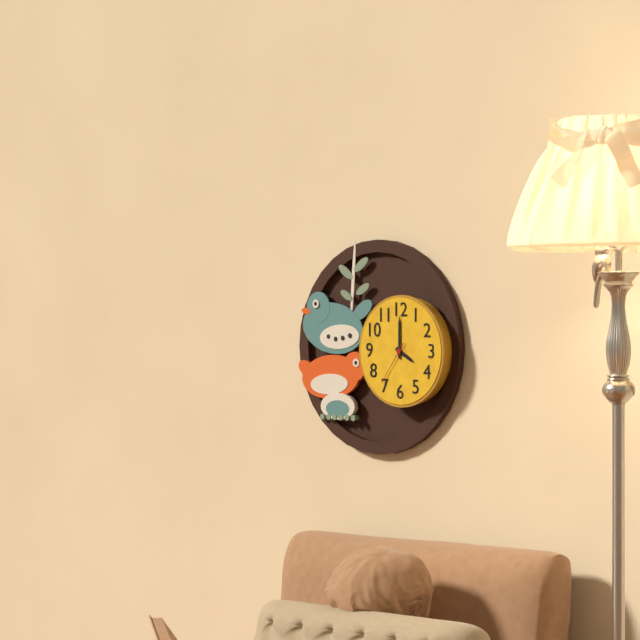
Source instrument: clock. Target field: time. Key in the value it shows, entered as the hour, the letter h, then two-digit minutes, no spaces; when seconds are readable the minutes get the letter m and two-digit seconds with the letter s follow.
4h00
